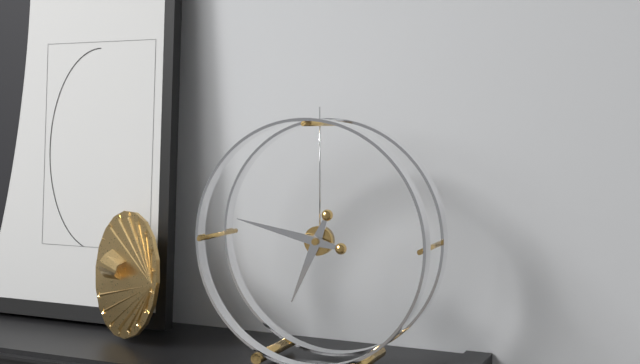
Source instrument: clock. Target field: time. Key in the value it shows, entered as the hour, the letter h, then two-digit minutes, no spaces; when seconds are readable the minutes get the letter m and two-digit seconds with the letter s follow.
6h47
